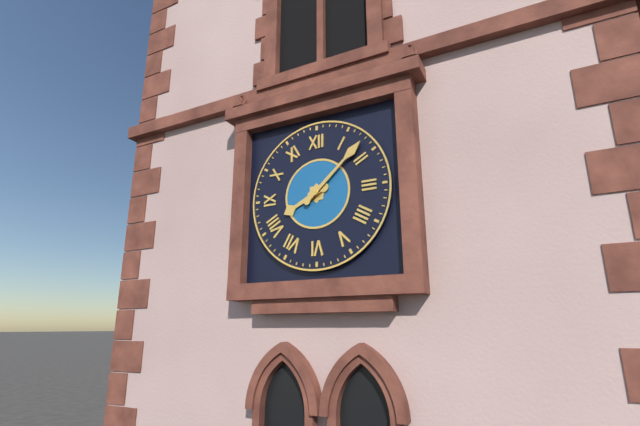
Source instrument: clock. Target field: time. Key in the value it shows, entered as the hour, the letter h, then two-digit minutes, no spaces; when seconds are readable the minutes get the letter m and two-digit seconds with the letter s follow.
8h08
